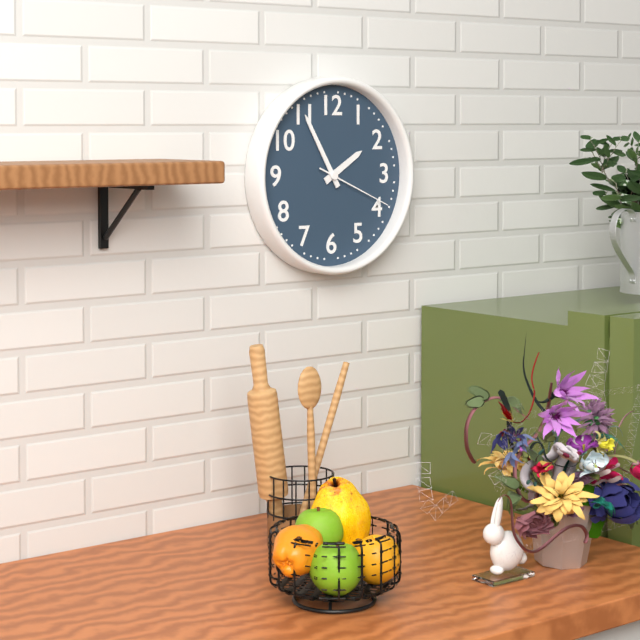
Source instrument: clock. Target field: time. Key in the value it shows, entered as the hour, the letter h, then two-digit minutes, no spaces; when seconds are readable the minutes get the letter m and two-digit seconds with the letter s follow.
1h55m19s
